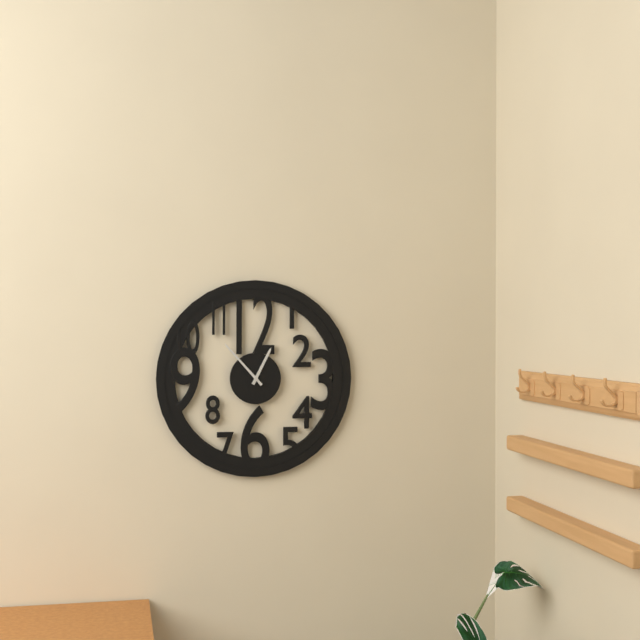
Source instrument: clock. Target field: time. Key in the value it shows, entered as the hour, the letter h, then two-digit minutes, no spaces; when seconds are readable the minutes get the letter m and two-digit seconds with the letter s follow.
12h53
